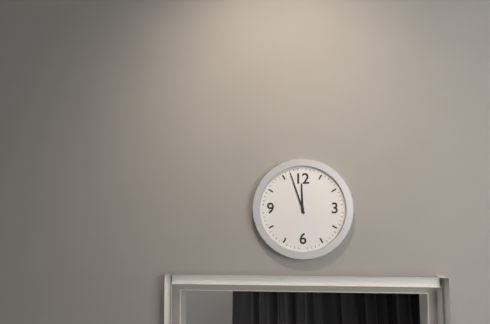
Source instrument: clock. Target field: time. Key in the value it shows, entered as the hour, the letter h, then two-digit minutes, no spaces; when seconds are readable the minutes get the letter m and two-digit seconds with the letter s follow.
11h57
